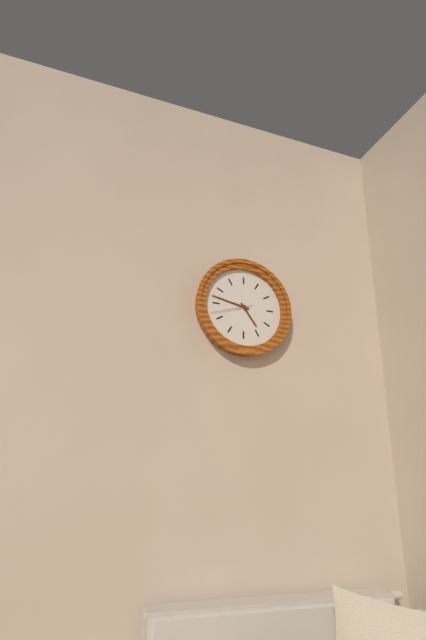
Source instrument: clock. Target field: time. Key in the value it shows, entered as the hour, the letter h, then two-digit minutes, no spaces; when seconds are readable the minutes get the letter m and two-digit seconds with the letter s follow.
4h47
